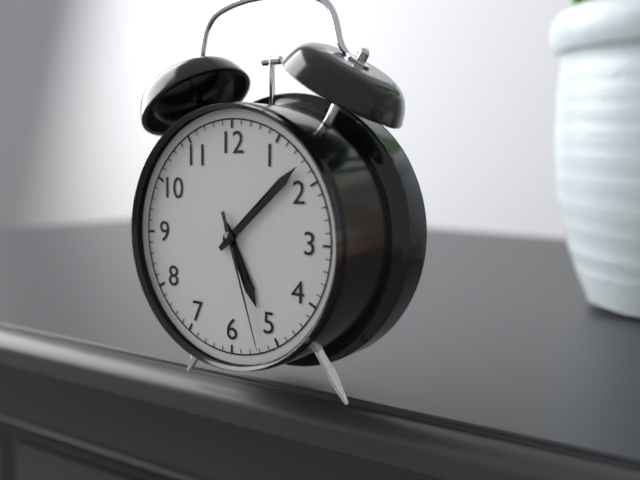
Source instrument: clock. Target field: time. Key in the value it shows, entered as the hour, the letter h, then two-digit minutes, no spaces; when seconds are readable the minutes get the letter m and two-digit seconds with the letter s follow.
5h08m27s
